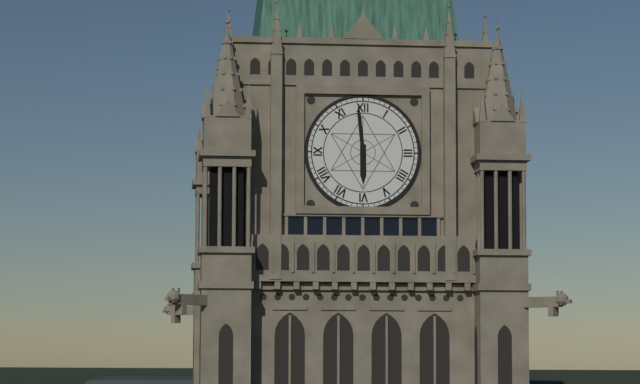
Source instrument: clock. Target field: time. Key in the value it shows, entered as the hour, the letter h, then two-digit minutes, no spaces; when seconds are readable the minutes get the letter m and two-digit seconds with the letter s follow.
5h59
